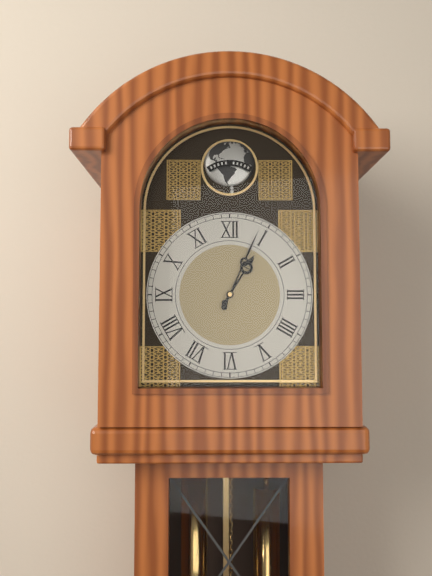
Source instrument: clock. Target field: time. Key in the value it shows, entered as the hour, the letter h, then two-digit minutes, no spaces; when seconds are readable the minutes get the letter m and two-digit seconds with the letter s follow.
1h04
